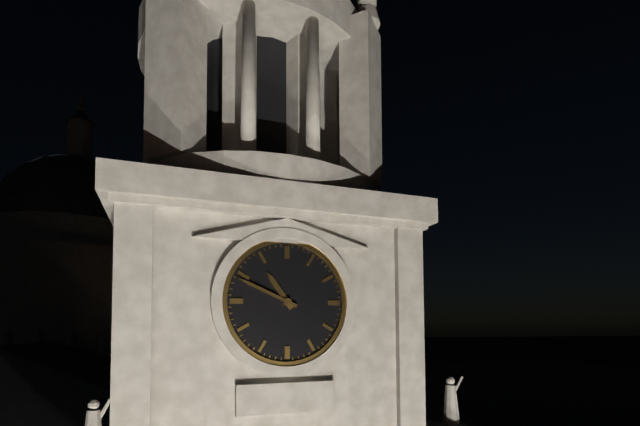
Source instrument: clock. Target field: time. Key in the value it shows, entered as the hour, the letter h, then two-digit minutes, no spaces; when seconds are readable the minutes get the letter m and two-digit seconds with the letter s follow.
10h49
